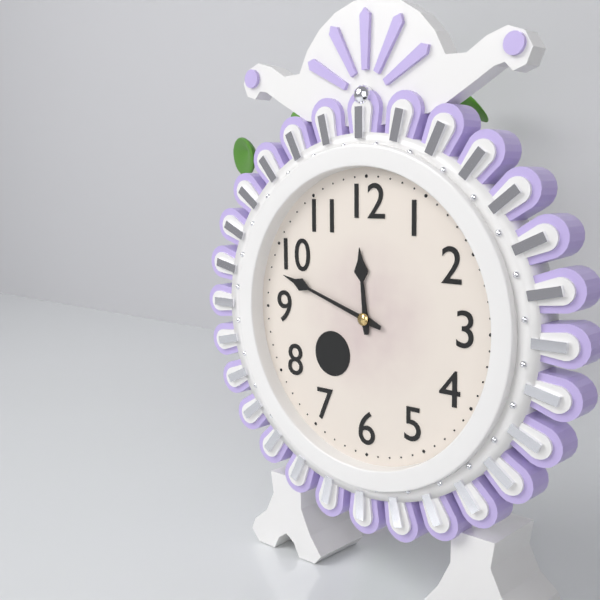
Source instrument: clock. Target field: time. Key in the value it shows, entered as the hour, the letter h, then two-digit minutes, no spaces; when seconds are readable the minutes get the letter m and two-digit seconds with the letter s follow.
11h48
